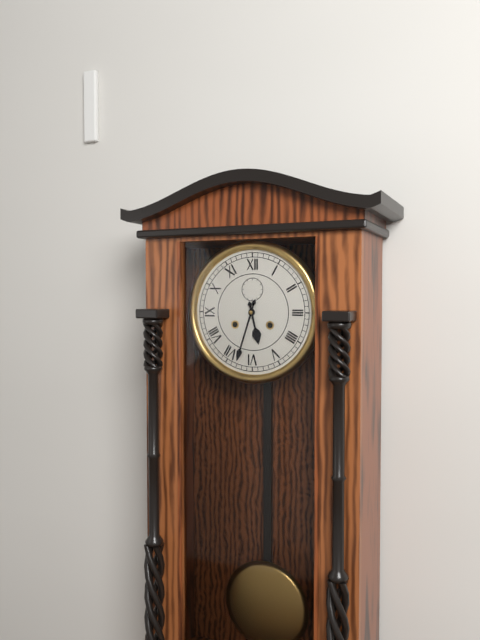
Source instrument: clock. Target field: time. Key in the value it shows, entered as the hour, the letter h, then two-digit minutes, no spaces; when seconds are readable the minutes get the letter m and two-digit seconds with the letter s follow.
5h33
